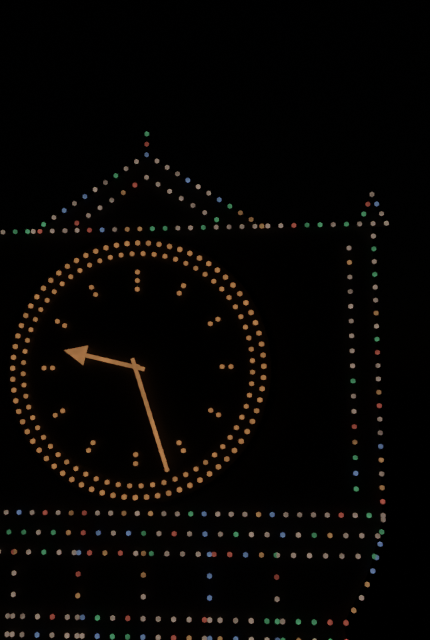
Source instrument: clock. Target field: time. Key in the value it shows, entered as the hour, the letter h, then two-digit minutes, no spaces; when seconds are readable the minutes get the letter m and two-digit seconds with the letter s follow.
9h27
